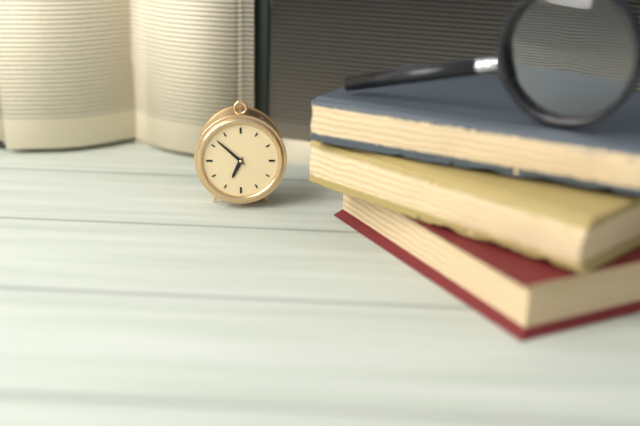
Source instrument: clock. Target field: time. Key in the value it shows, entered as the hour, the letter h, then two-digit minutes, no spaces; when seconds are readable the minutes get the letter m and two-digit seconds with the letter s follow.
6h52
